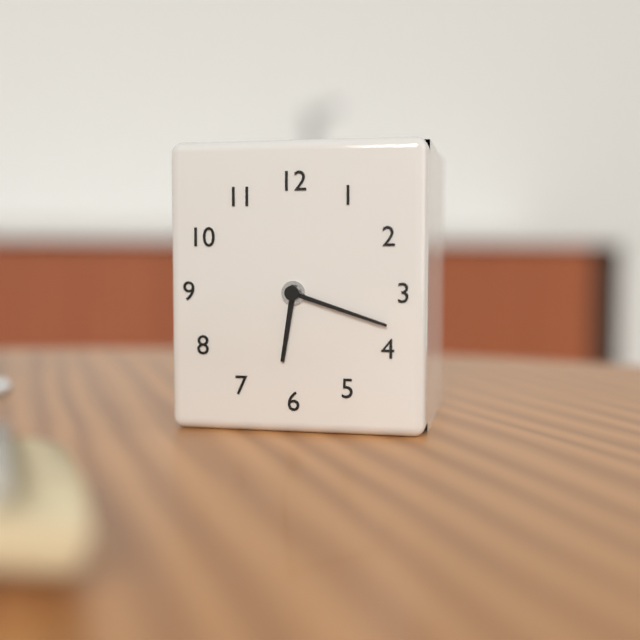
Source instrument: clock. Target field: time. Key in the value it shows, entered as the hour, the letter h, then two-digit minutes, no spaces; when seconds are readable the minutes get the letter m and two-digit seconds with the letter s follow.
6h18
